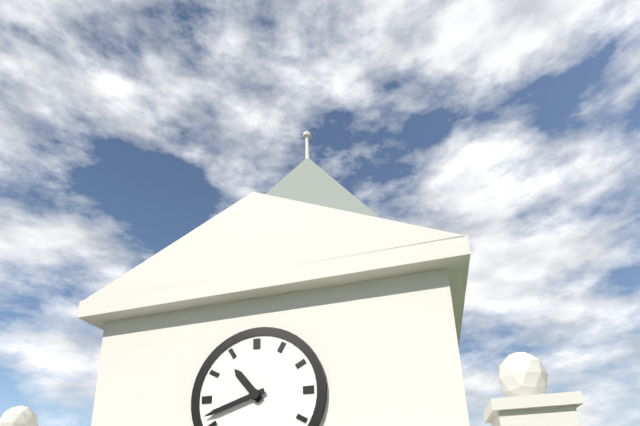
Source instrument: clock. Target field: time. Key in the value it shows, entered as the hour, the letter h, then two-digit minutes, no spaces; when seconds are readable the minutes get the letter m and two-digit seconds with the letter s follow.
10h42
